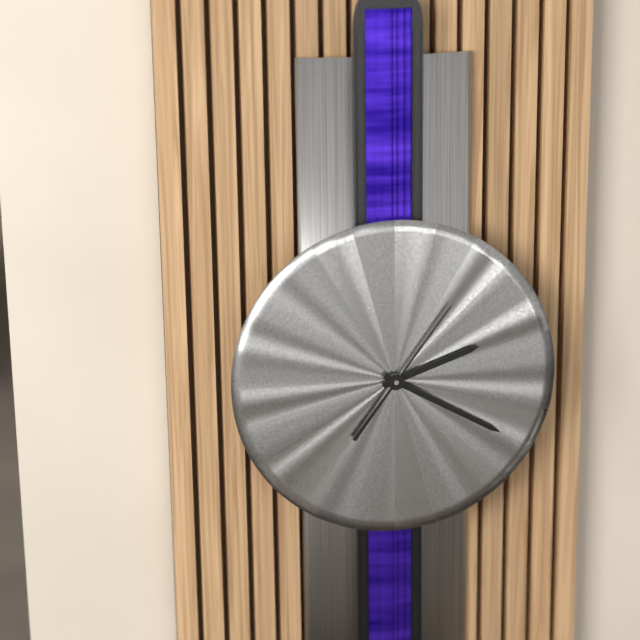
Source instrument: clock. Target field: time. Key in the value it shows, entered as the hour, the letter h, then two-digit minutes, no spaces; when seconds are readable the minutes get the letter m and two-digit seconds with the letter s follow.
2h20m06s
